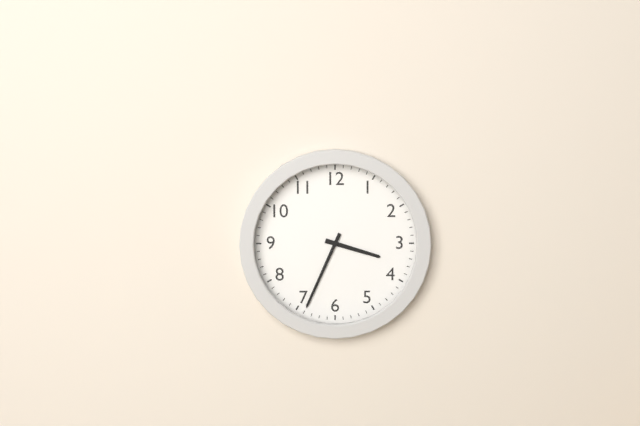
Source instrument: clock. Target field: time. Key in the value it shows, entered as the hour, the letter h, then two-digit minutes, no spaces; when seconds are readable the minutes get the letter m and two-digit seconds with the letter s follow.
3h34
